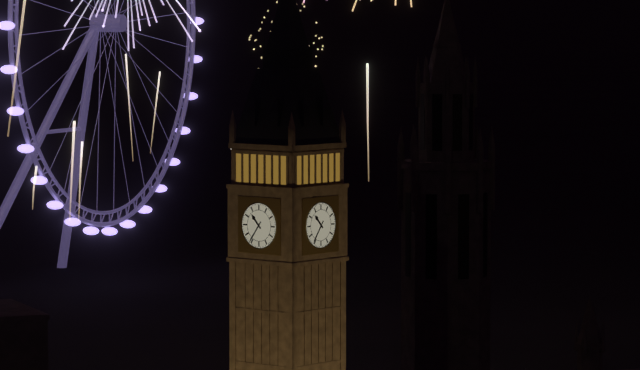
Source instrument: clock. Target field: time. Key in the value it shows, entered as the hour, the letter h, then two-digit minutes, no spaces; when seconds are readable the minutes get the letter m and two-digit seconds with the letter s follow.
10h36
